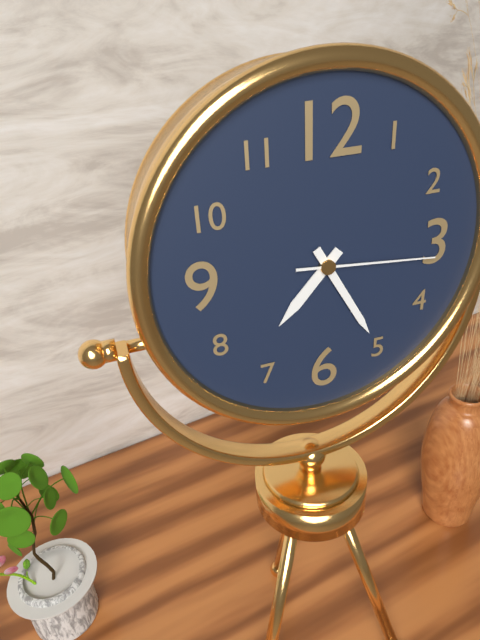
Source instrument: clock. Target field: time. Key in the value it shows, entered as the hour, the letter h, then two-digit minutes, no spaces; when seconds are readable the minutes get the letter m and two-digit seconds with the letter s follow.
7h25m16s
